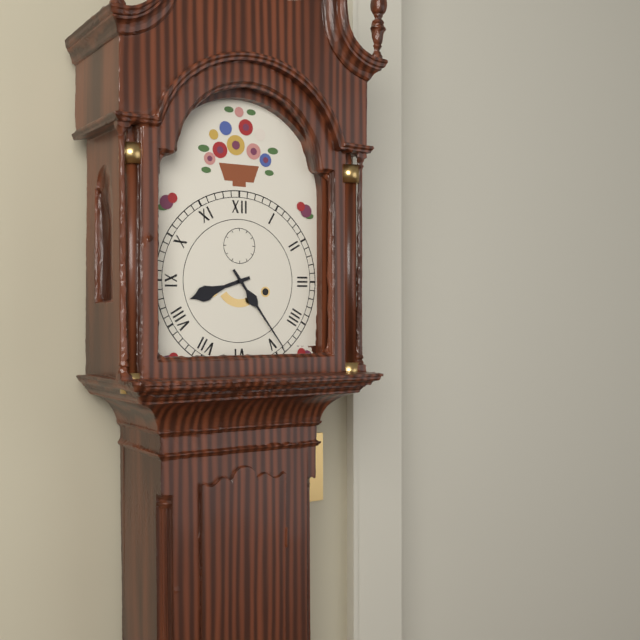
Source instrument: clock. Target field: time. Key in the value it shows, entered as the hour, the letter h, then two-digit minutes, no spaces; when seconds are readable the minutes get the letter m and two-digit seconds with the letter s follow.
8h24
